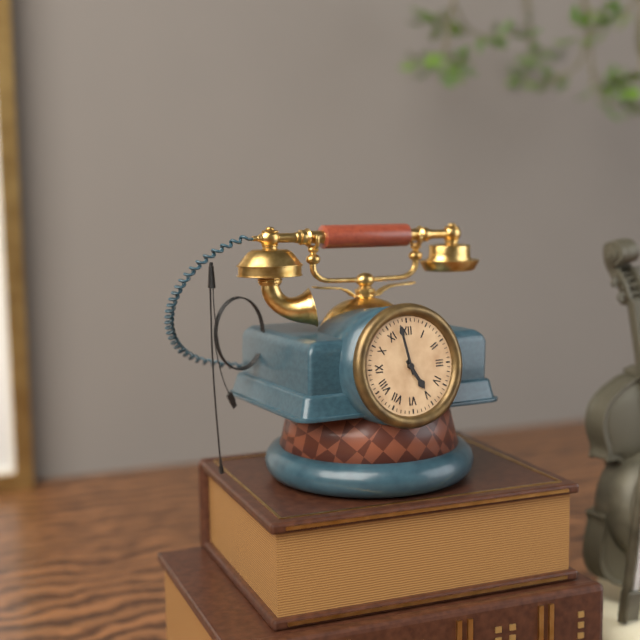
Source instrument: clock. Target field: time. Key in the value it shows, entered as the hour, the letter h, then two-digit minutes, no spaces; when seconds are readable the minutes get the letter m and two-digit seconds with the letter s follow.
4h58
